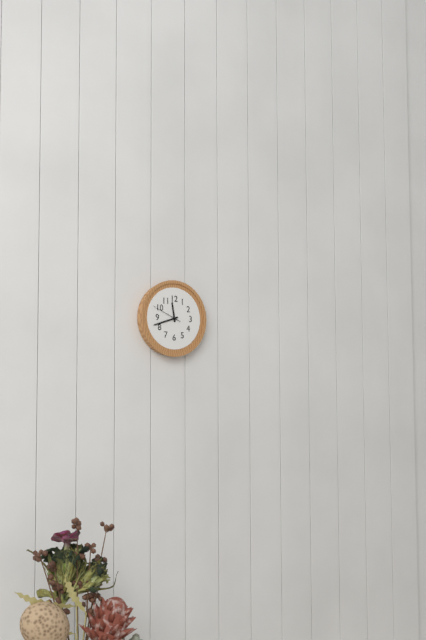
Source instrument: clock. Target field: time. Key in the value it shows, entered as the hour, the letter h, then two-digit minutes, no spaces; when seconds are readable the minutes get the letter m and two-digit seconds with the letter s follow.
11h42
